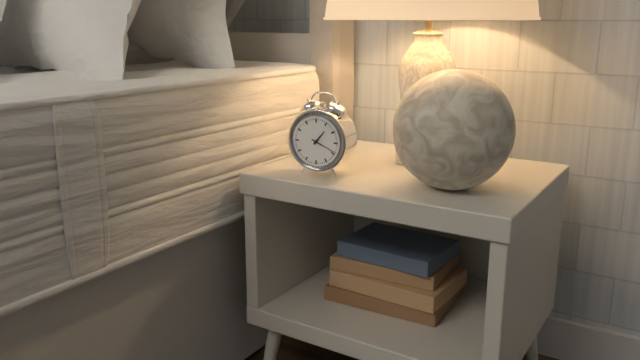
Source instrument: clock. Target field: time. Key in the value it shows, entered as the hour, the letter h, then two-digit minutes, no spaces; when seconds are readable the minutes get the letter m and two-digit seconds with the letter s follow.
1h19
